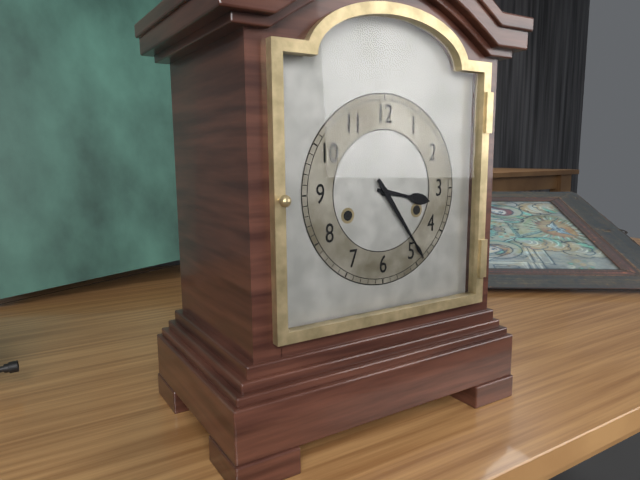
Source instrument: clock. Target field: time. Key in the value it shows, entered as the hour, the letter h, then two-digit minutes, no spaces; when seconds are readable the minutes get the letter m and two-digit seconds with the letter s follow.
3h24
